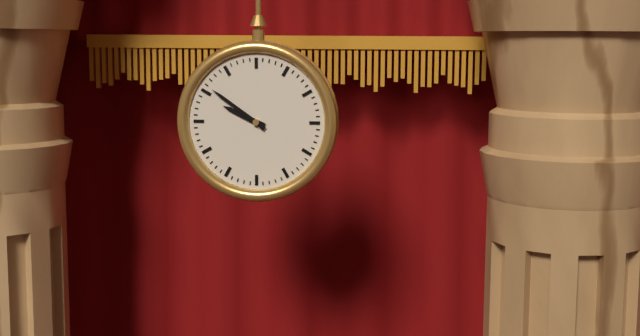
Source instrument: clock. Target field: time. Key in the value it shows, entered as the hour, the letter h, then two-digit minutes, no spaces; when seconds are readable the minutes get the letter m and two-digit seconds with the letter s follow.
9h51
